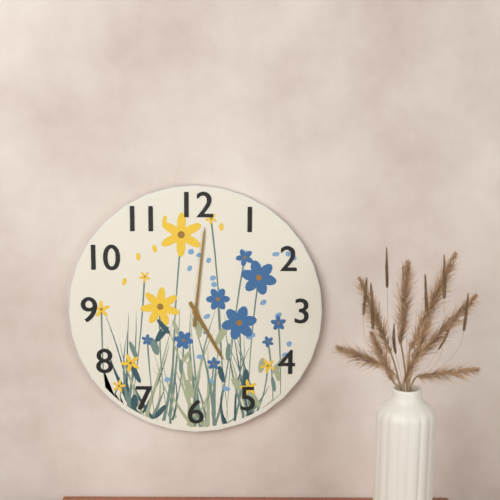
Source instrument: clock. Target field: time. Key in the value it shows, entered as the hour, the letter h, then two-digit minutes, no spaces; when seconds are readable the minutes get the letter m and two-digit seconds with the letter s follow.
5h01
